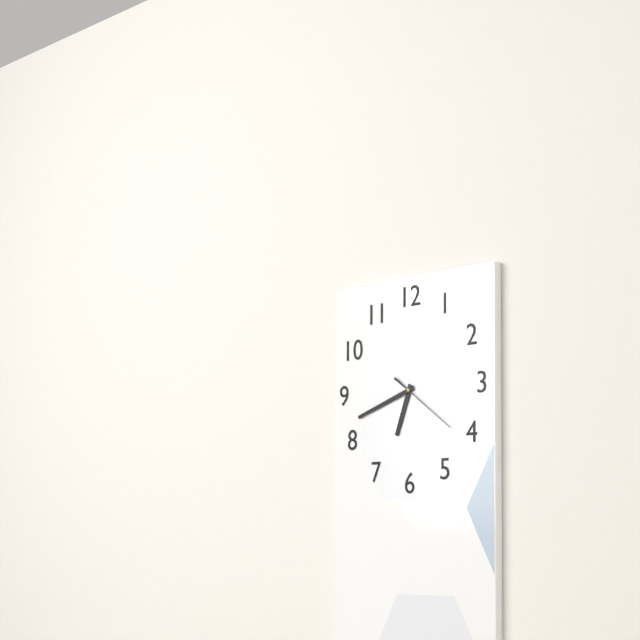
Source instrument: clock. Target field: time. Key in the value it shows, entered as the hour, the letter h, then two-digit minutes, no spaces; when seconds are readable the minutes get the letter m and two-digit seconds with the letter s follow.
6h42m21s
